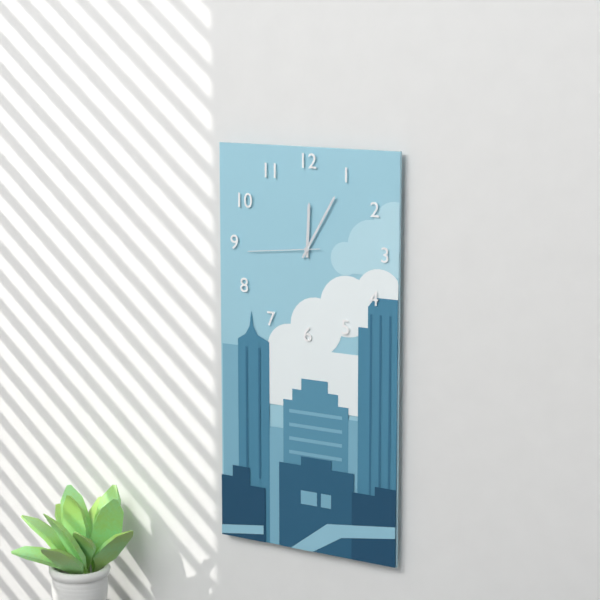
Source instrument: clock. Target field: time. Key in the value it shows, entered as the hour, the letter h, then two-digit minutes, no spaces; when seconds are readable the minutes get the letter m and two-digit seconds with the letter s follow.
12h05m44s
